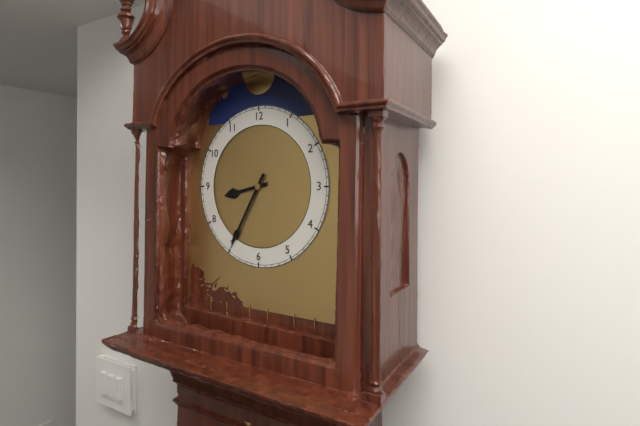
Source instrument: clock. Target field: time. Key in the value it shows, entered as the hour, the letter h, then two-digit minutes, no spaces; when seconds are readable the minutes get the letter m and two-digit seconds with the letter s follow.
8h35
